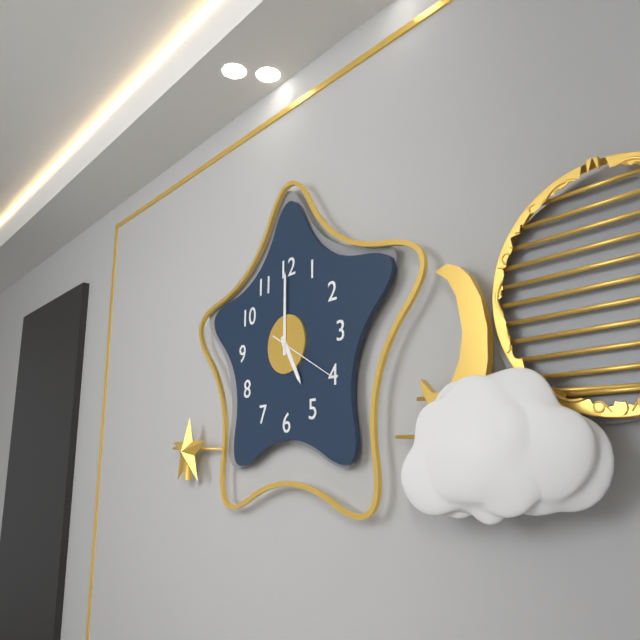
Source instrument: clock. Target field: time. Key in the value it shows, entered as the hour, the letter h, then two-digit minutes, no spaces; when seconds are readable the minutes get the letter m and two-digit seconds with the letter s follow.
5h00m20s
